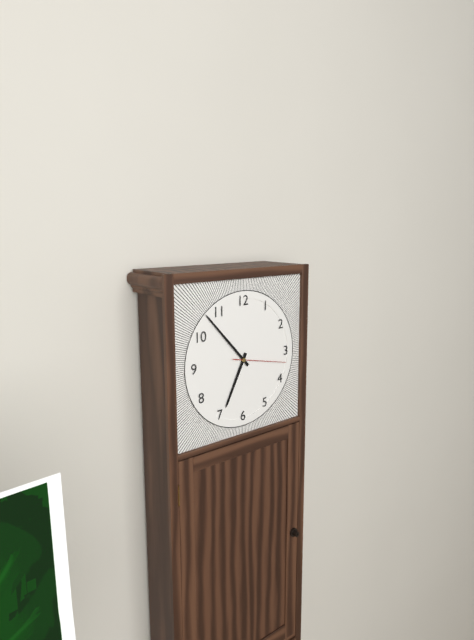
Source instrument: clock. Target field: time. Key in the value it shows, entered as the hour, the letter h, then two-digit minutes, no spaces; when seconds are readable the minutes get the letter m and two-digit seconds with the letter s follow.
6h53m17s
